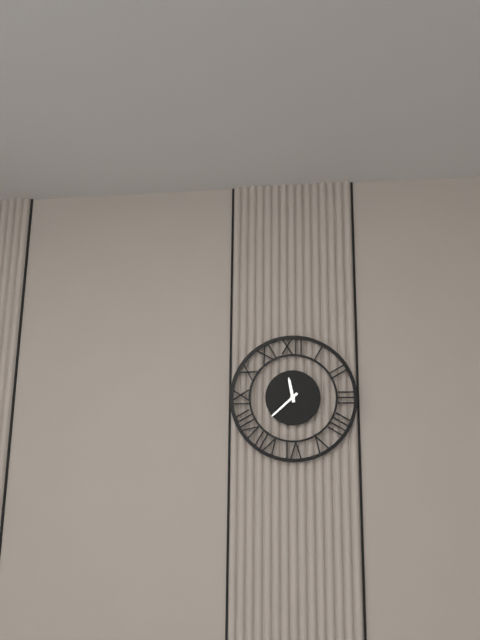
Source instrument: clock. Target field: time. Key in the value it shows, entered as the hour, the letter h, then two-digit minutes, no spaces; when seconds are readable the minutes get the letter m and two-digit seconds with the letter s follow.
11h38
